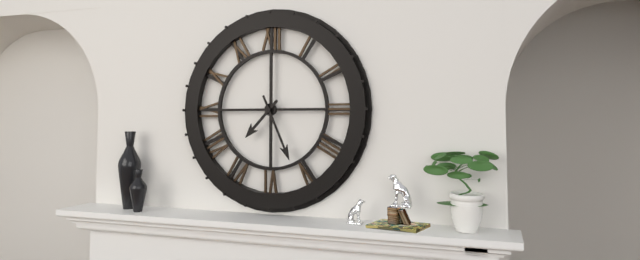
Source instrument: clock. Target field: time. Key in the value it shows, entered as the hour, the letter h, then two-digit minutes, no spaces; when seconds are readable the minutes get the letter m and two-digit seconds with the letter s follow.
7h26
